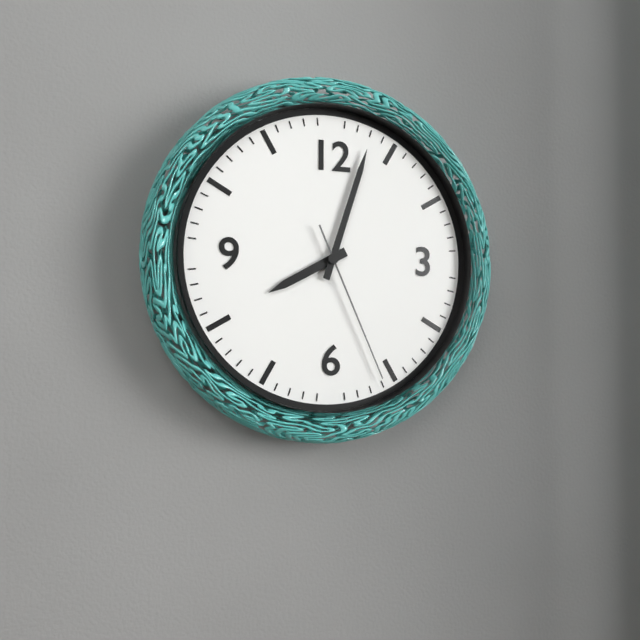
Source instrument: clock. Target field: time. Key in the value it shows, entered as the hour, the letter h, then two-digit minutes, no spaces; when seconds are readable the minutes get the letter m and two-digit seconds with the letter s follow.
8h03m26s
